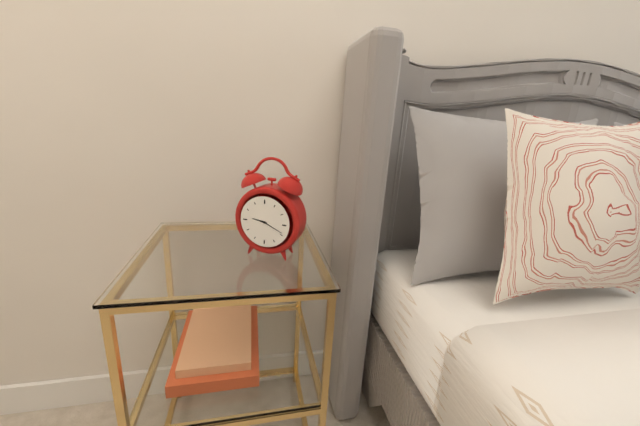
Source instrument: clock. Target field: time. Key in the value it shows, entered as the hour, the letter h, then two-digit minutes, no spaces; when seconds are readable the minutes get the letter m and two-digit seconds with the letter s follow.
9h19
